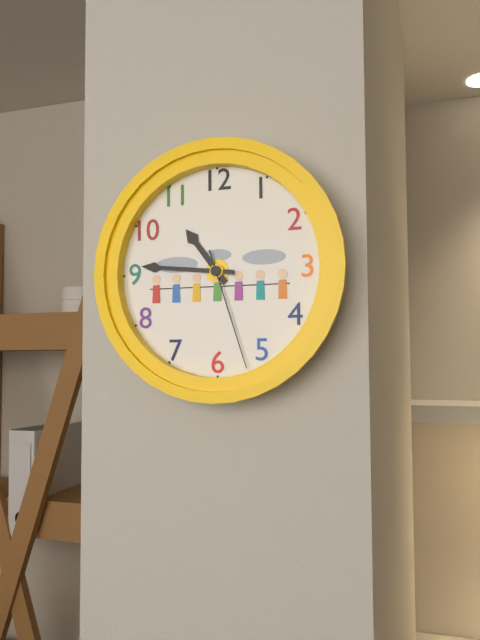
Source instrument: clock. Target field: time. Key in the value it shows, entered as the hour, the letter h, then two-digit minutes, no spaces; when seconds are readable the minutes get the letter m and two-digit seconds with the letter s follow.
10h46m27s
